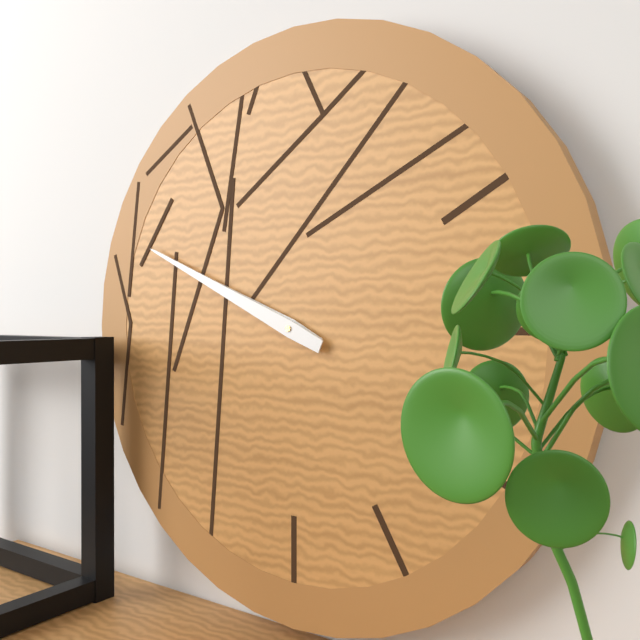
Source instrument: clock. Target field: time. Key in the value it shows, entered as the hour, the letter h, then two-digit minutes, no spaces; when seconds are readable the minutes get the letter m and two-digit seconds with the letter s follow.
9h49
